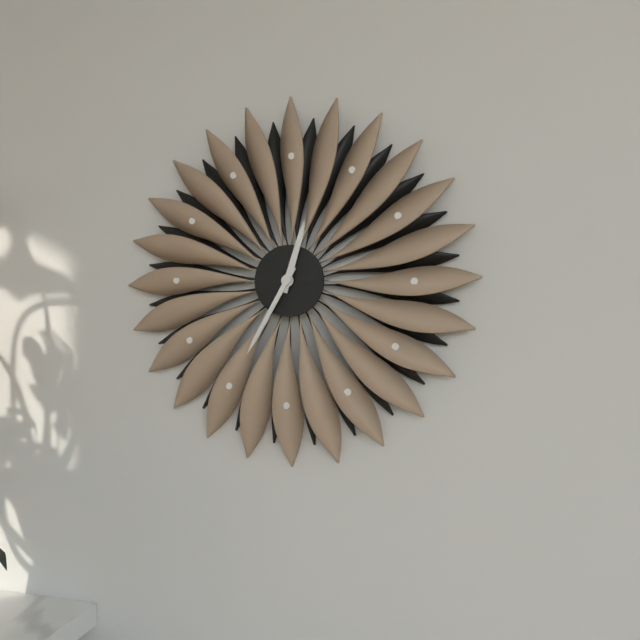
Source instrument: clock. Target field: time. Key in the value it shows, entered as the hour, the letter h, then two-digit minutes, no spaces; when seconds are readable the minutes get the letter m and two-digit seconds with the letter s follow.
12h35
